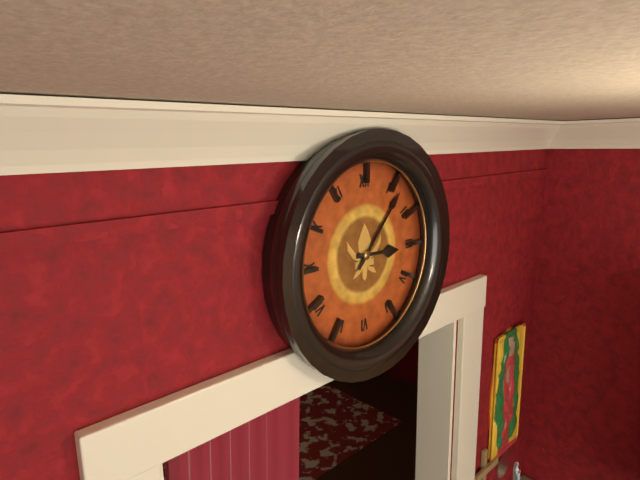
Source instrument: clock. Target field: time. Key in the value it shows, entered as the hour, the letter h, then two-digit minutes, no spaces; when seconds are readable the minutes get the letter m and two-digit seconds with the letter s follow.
3h07
